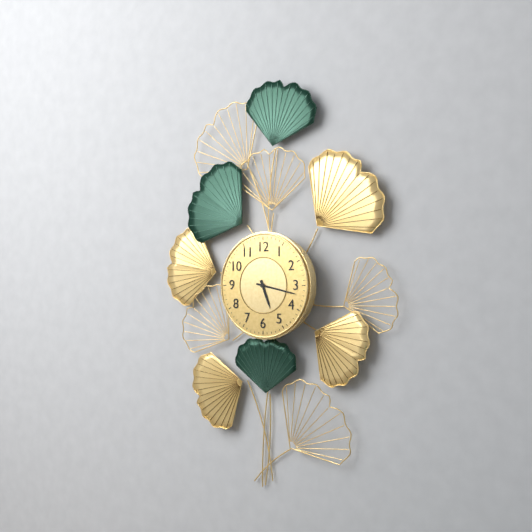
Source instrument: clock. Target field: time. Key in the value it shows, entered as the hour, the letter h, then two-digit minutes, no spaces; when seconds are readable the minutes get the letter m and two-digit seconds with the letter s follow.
5h17
